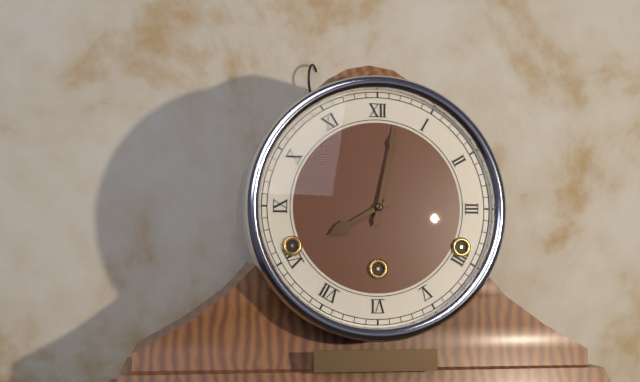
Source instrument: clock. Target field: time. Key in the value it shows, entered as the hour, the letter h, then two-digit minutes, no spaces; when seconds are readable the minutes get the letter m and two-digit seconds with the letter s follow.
8h02
